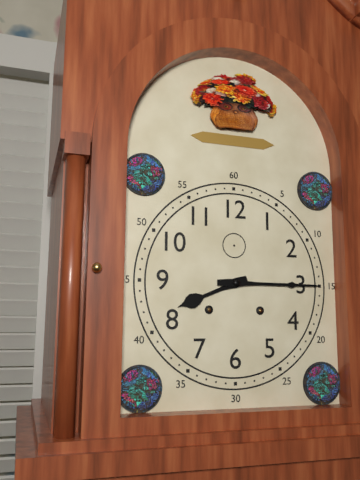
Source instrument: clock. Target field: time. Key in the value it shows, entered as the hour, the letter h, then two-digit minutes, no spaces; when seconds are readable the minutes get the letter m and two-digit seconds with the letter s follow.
8h15
